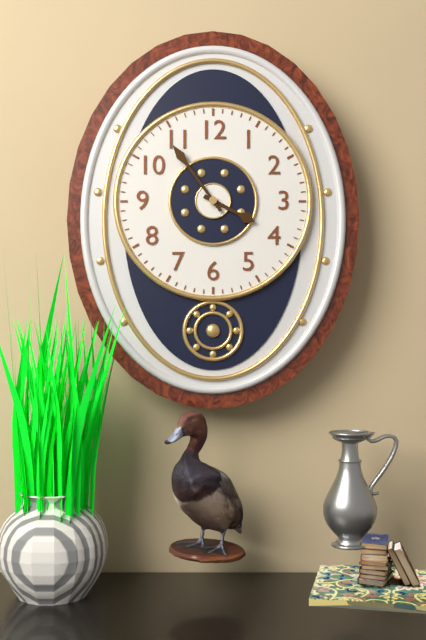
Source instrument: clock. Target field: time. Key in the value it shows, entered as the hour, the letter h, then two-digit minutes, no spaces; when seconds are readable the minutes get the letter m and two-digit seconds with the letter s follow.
3h54
